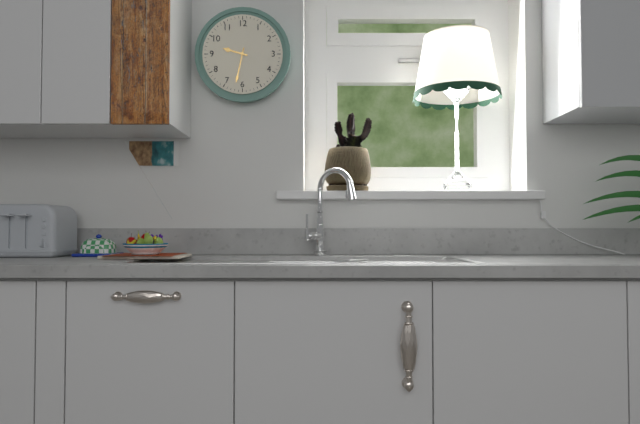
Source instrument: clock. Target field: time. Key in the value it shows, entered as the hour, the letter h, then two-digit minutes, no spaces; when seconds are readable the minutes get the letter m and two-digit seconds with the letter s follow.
9h32
